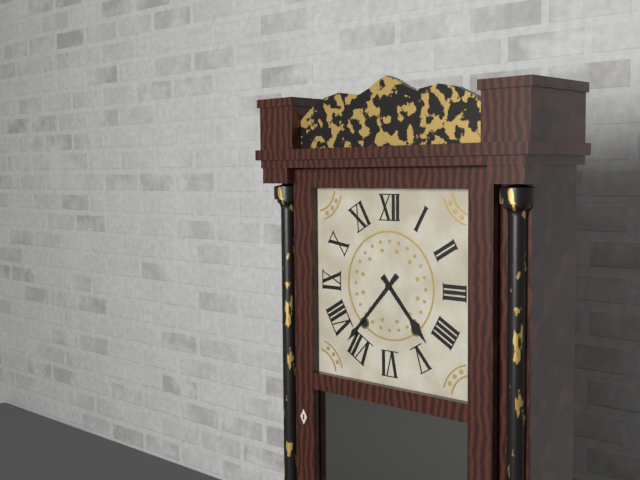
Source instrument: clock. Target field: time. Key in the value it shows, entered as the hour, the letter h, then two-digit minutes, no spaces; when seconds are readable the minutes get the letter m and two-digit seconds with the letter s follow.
4h37
